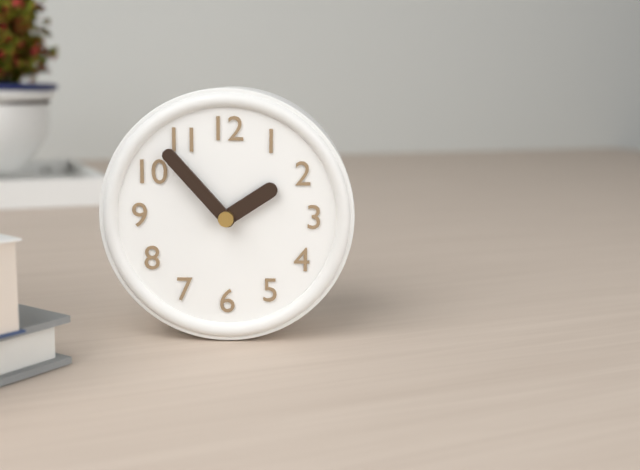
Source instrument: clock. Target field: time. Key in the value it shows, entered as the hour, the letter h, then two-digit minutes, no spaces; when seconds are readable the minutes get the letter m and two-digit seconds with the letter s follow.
1h53
